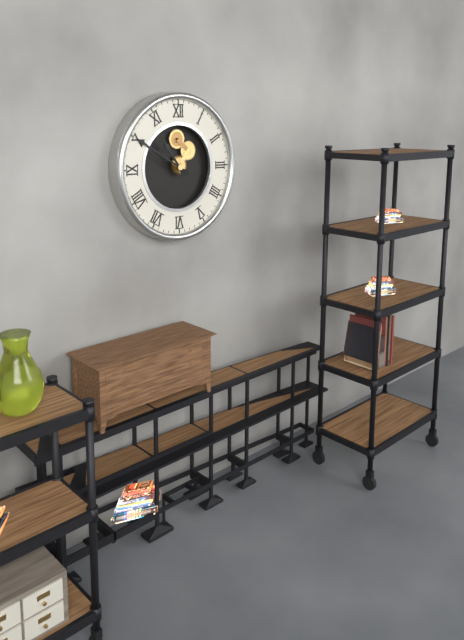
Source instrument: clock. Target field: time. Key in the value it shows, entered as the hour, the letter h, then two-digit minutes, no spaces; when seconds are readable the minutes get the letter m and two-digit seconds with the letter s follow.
10h50
